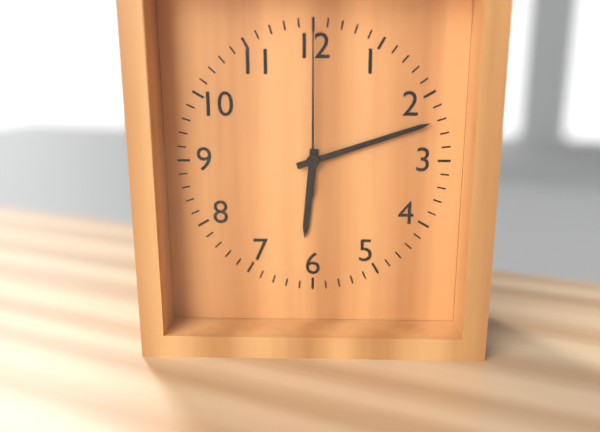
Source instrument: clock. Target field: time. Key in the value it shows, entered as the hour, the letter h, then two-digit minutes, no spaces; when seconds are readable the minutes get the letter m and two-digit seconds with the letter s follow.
6h12m00s
